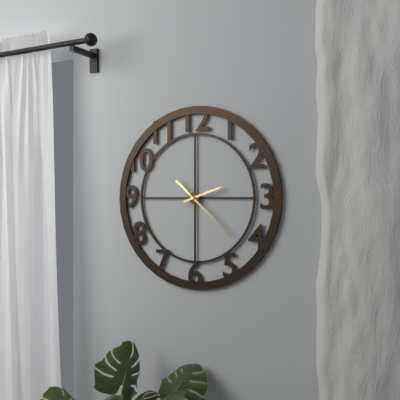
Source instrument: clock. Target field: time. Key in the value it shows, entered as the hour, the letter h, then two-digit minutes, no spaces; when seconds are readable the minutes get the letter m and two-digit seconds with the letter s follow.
2h22
